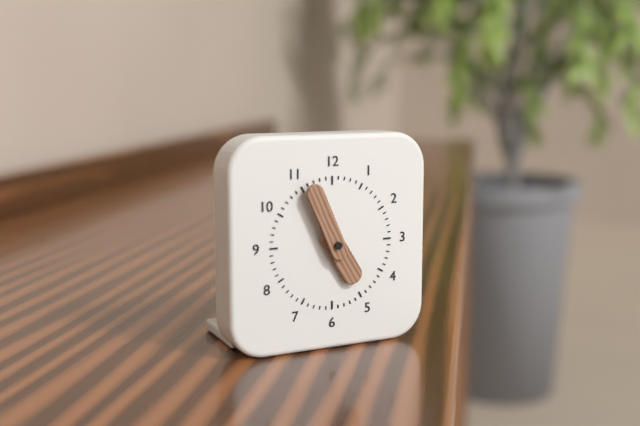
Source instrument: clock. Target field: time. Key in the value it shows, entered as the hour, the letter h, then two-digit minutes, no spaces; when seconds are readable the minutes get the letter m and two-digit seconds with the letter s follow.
4h56
